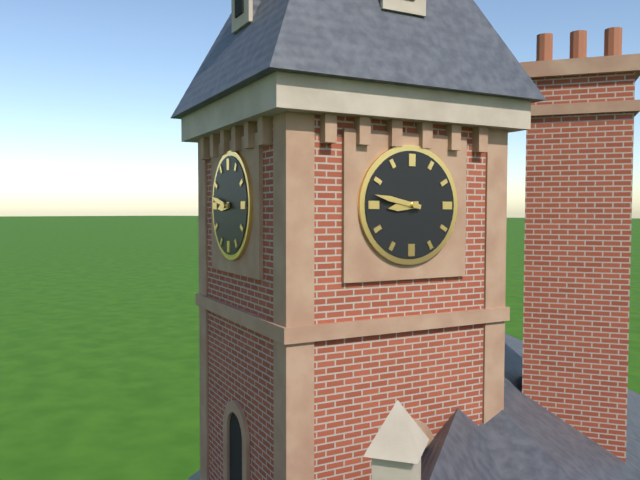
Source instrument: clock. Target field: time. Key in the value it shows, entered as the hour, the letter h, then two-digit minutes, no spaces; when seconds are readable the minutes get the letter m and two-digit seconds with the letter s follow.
8h47
